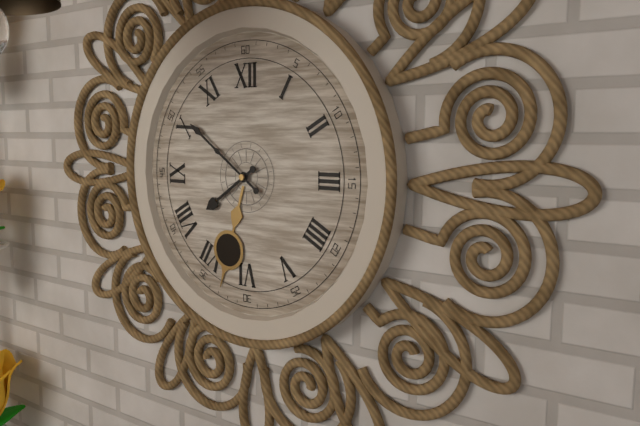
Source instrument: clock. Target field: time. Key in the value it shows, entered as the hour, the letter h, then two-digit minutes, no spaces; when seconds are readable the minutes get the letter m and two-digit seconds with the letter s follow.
7h51
